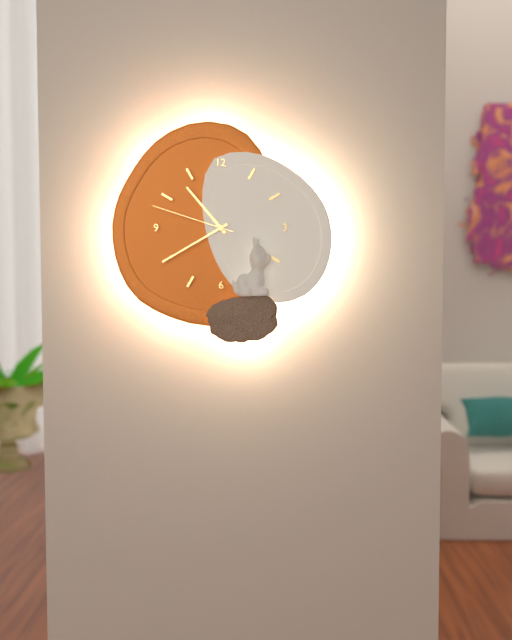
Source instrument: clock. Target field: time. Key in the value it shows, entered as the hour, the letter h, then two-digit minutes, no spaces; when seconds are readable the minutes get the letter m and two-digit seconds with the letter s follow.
10h40m48s
